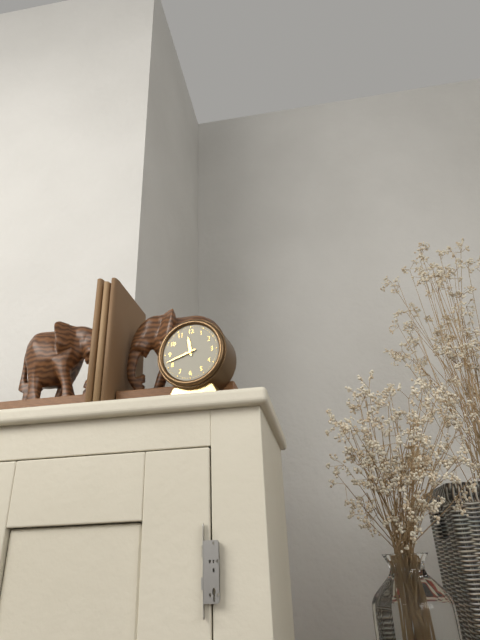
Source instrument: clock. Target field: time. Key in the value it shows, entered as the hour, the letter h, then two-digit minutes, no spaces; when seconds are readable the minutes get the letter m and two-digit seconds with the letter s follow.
11h42
